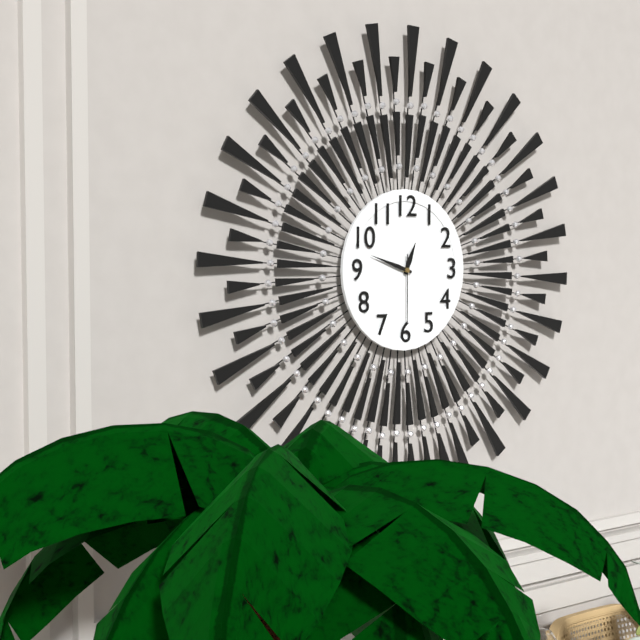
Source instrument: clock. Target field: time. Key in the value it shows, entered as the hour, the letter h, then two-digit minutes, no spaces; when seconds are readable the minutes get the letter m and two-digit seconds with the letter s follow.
12h48m30s
